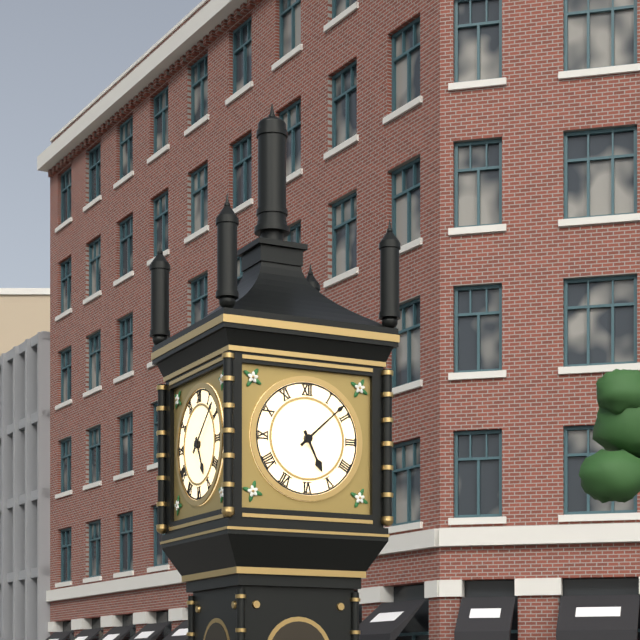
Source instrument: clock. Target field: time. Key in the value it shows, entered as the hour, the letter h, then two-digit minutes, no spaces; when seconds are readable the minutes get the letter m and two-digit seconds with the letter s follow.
5h08
